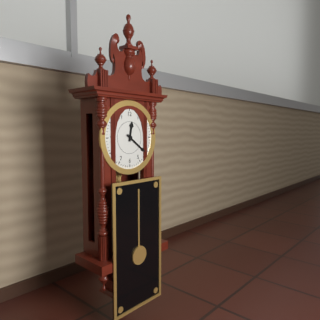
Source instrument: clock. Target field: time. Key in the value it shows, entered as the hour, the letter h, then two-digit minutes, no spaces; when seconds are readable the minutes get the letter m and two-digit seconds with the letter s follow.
12h21
